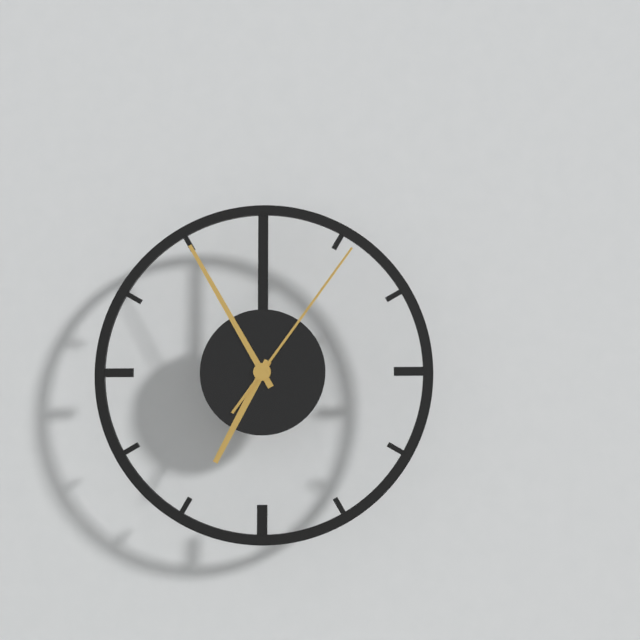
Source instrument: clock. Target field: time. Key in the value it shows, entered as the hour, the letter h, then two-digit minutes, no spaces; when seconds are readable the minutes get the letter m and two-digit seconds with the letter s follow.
6h55m06s
